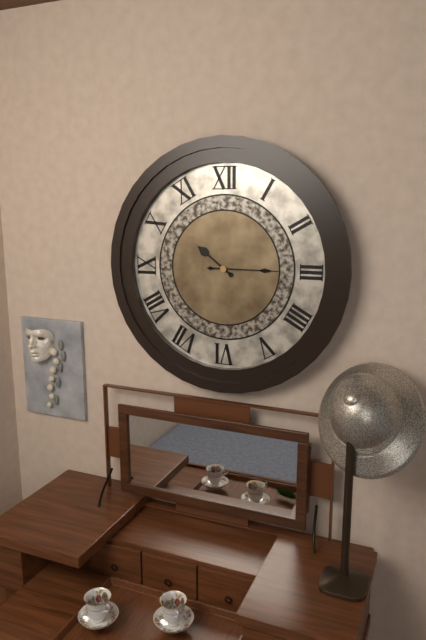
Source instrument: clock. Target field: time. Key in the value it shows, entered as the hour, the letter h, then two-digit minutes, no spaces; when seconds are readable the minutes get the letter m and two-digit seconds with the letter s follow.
10h15
